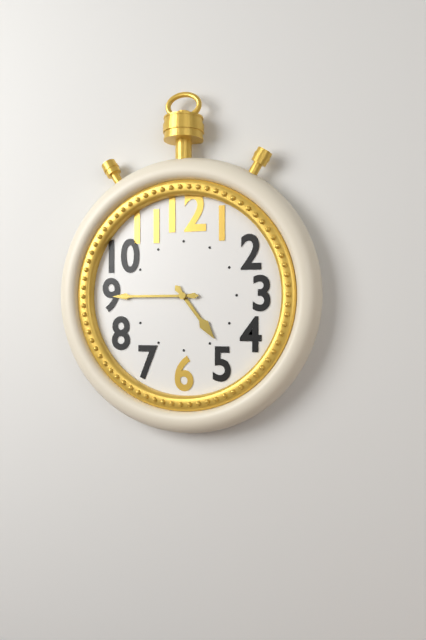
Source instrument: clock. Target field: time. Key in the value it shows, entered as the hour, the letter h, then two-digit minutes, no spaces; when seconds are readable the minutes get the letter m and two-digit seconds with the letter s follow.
4h45
